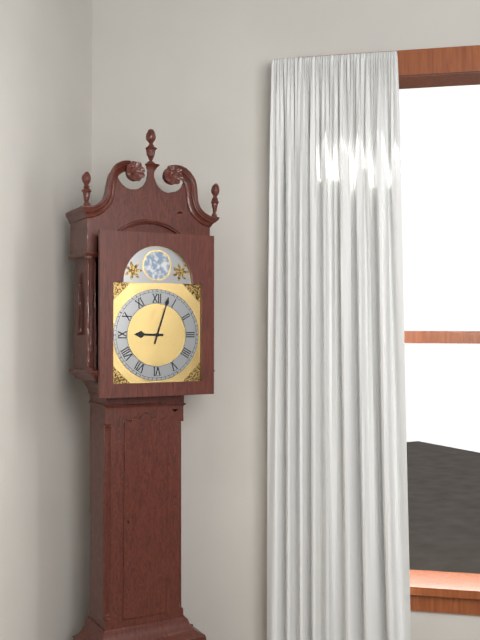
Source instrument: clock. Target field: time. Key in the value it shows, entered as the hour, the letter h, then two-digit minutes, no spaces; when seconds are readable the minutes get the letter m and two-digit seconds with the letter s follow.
9h03
